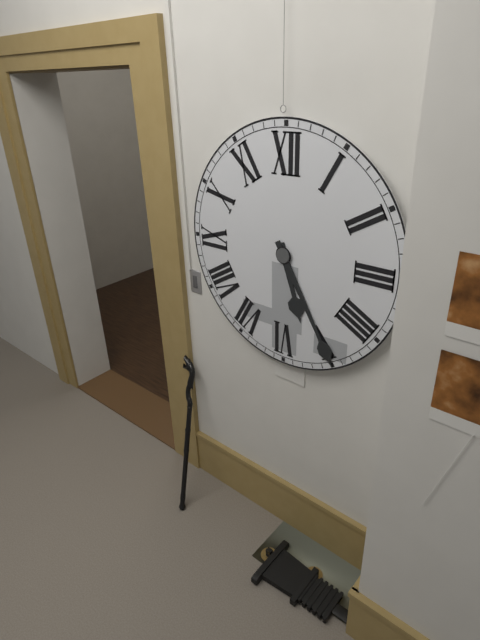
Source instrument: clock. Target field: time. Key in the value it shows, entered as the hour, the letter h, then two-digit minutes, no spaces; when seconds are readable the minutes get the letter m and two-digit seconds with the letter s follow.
5h25
